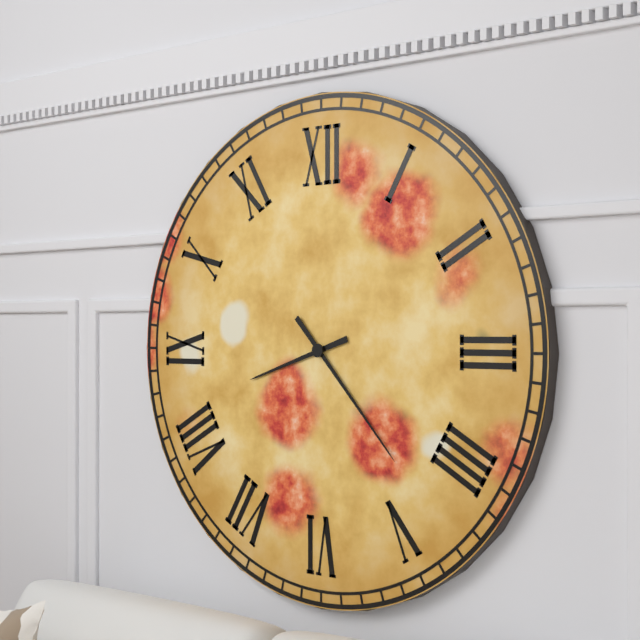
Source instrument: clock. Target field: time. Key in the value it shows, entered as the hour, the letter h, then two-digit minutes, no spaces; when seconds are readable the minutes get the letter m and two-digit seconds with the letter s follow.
8h23
